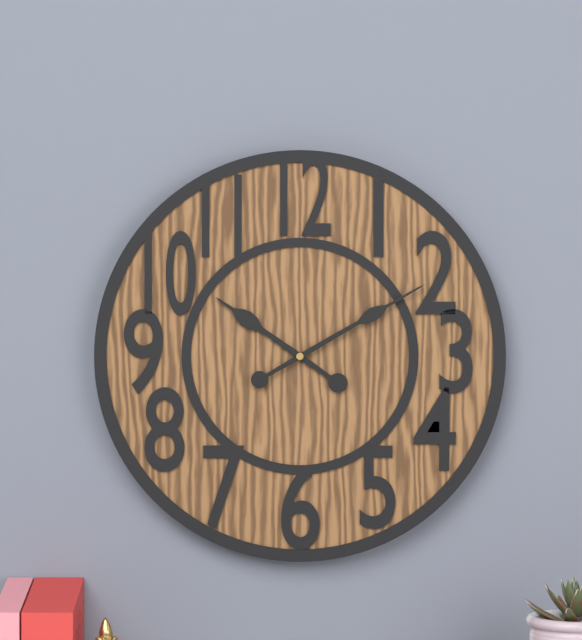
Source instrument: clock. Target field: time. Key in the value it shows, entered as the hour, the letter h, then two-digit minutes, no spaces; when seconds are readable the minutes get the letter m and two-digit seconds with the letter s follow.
10h10
